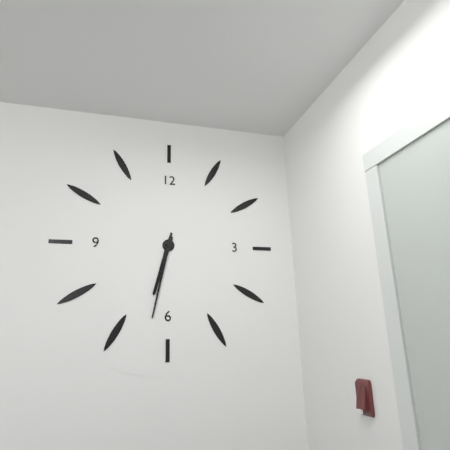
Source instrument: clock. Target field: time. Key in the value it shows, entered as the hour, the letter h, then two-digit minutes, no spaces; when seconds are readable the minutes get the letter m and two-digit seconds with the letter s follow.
6h32
